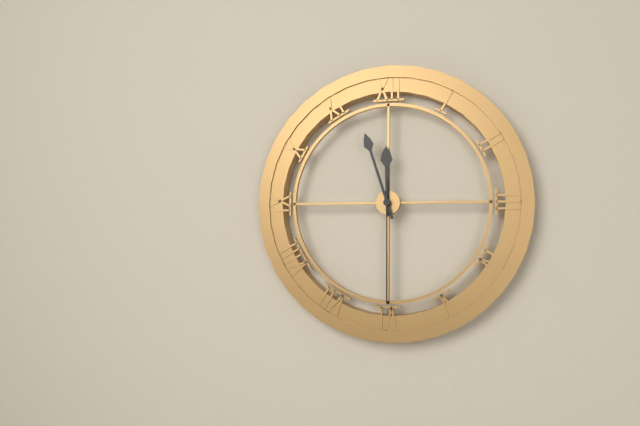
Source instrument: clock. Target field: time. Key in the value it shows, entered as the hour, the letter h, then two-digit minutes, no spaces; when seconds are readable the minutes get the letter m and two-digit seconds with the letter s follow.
11h57m30s
